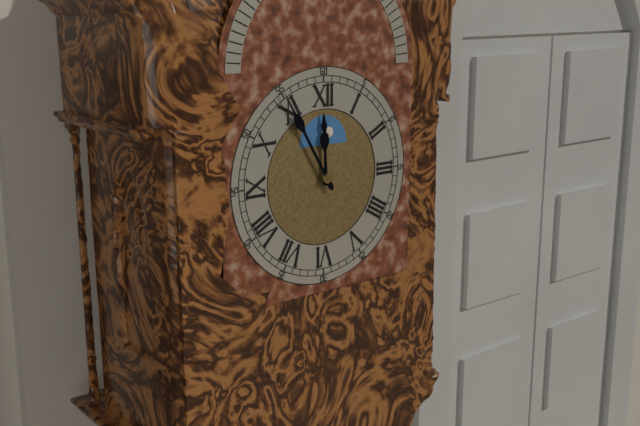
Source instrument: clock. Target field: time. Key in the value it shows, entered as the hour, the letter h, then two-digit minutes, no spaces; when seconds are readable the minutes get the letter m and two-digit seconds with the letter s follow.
11h55
